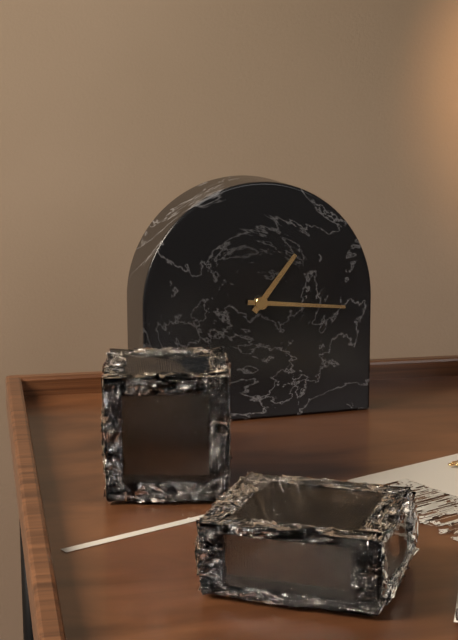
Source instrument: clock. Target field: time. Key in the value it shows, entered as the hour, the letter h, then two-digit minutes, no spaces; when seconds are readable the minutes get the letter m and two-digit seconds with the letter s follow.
1h16
